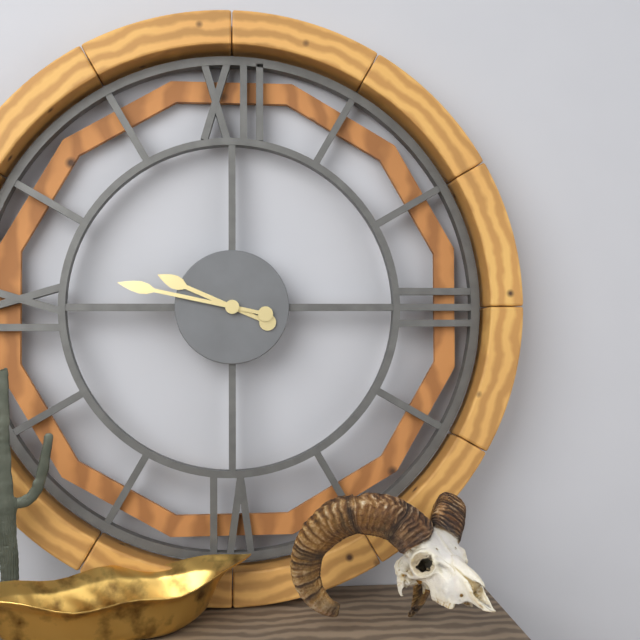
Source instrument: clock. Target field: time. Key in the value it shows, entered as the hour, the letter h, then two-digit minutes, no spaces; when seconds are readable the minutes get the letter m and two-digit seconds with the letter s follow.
9h47
